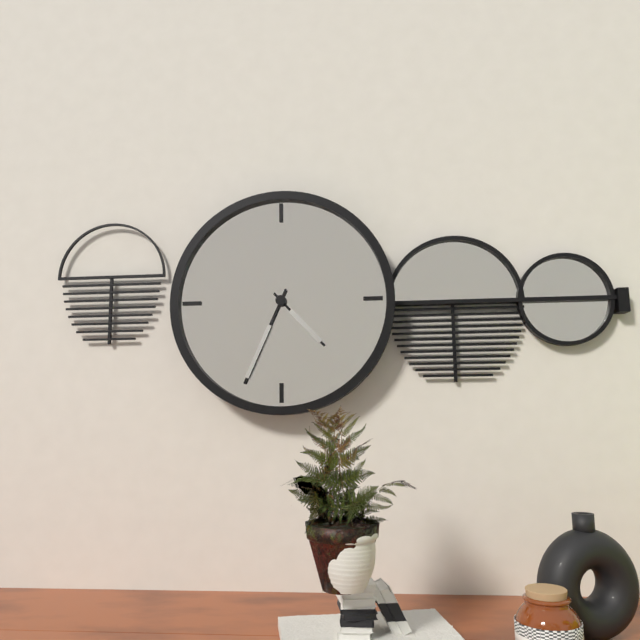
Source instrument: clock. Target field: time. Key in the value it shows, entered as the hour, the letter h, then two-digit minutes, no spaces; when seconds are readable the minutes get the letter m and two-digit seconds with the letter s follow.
4h34
